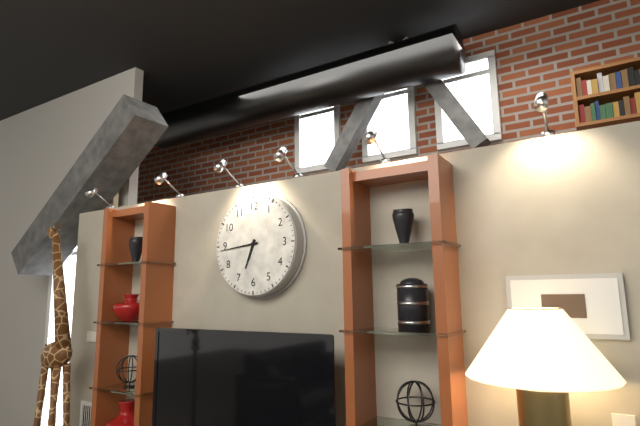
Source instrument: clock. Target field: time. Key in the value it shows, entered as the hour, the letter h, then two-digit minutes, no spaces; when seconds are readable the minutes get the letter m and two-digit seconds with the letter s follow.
6h44
